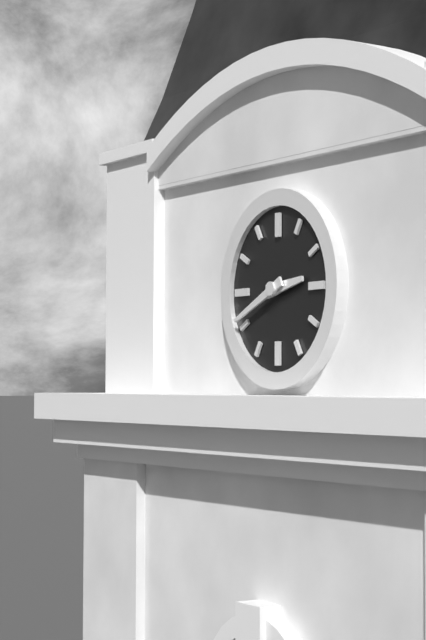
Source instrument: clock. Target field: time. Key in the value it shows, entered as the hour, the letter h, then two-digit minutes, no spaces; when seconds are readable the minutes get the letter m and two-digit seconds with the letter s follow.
2h41
